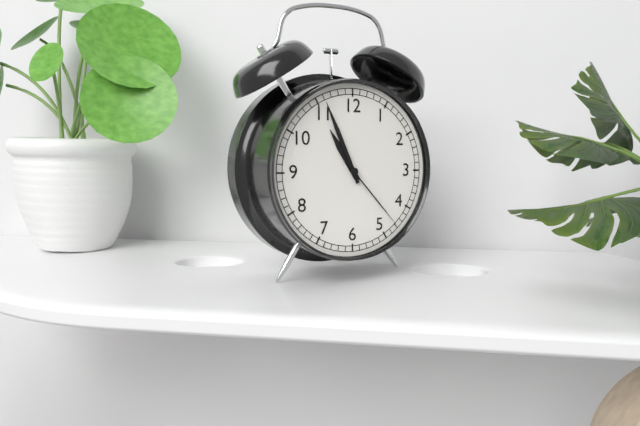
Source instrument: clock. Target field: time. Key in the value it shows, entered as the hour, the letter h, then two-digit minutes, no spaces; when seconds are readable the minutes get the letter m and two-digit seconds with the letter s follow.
10h56m23s
